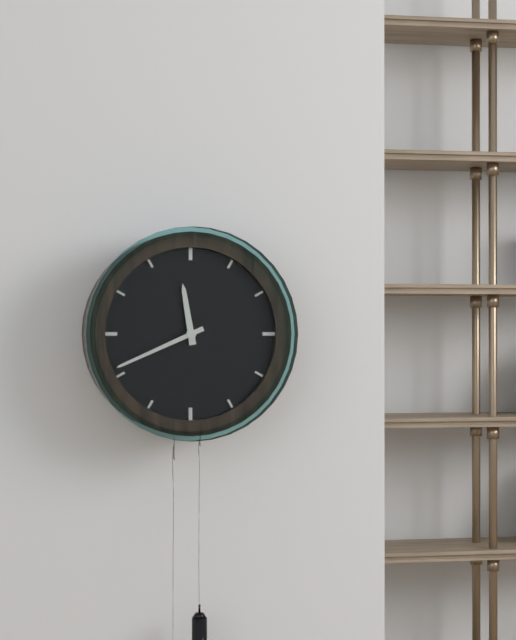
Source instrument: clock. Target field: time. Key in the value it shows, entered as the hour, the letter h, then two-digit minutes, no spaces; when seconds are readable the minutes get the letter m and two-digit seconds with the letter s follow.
11h41
